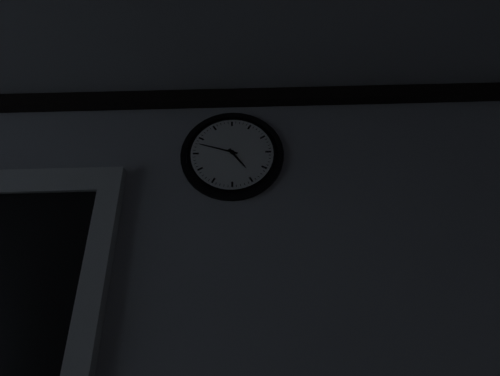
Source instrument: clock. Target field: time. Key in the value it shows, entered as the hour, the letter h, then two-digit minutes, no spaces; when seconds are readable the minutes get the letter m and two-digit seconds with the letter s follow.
4h48
